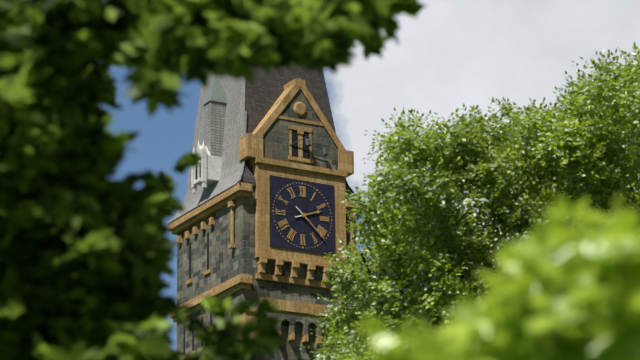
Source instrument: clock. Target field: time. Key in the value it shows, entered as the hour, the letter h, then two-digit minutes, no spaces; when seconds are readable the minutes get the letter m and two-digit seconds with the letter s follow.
2h22
